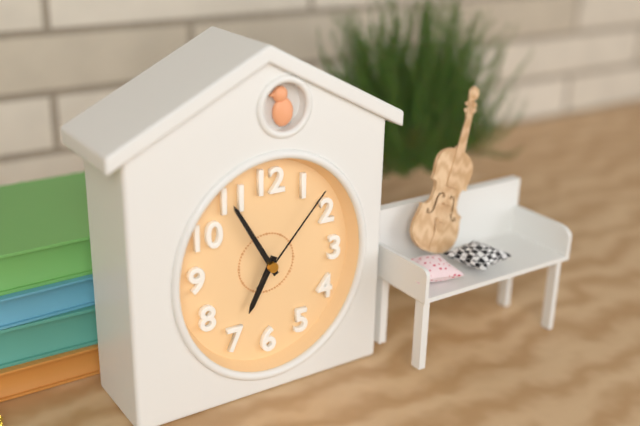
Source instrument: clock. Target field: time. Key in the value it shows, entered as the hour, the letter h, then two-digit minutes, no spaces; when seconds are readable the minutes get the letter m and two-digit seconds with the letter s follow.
6h55m07s
